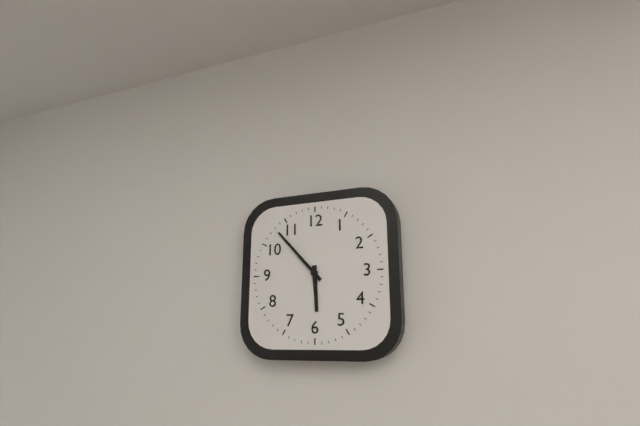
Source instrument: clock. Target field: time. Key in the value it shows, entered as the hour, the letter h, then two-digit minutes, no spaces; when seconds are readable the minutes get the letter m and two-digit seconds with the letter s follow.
5h53
